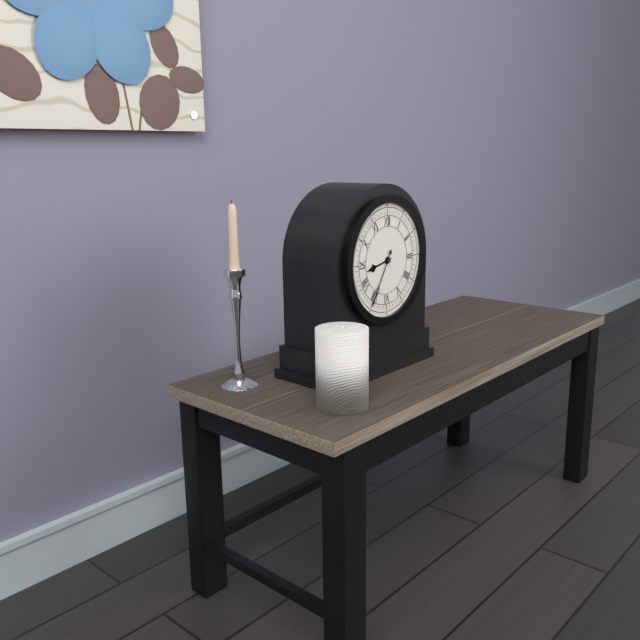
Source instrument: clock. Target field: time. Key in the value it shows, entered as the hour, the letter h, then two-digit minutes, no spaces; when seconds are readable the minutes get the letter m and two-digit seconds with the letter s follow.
8h35
